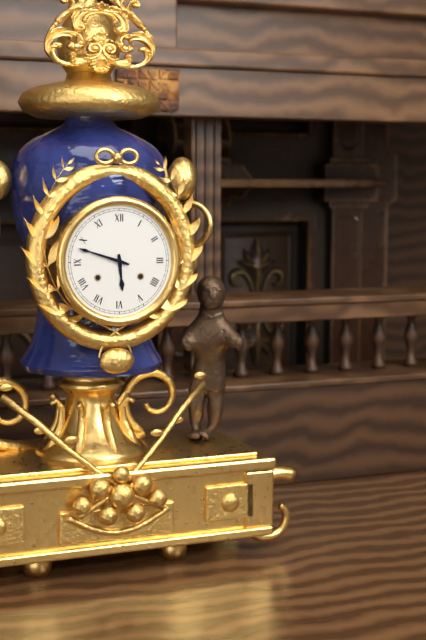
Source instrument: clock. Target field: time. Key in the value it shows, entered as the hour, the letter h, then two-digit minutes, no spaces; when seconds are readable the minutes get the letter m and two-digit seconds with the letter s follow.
5h48
